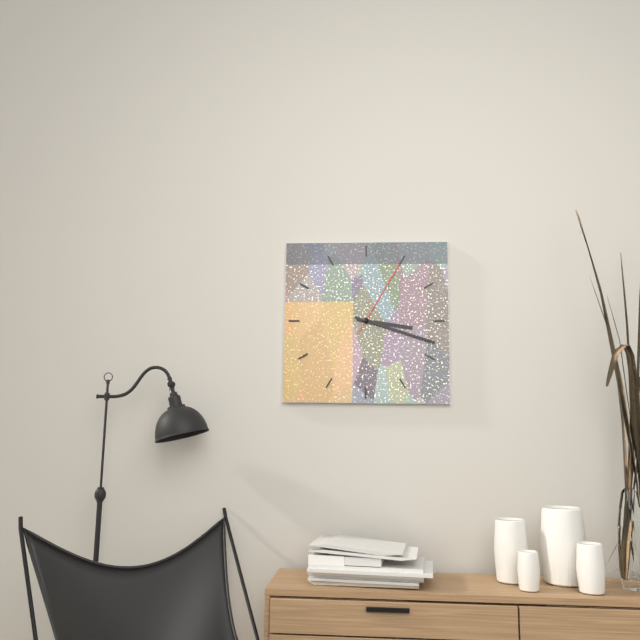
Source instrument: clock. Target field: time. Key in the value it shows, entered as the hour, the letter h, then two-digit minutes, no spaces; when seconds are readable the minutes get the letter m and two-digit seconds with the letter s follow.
3h18m05s
